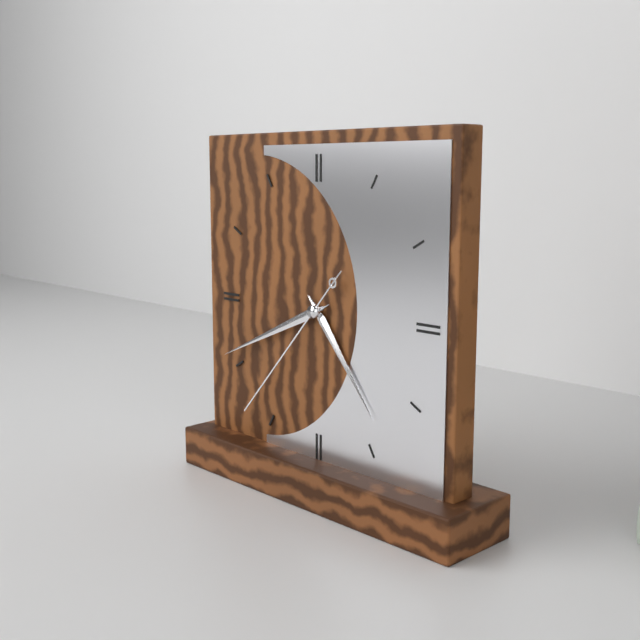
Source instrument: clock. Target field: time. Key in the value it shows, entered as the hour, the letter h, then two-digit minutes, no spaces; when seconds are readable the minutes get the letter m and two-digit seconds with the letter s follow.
4h41m37s
